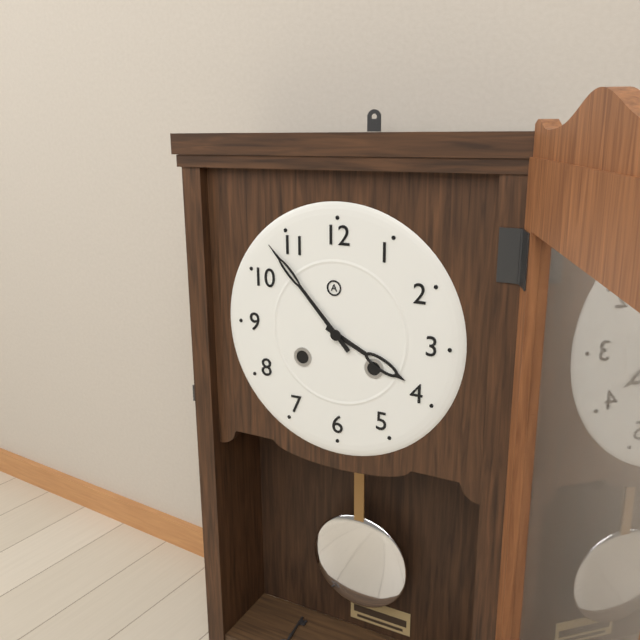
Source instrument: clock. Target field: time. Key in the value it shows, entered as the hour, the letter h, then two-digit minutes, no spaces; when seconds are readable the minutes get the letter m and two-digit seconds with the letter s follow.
3h53
